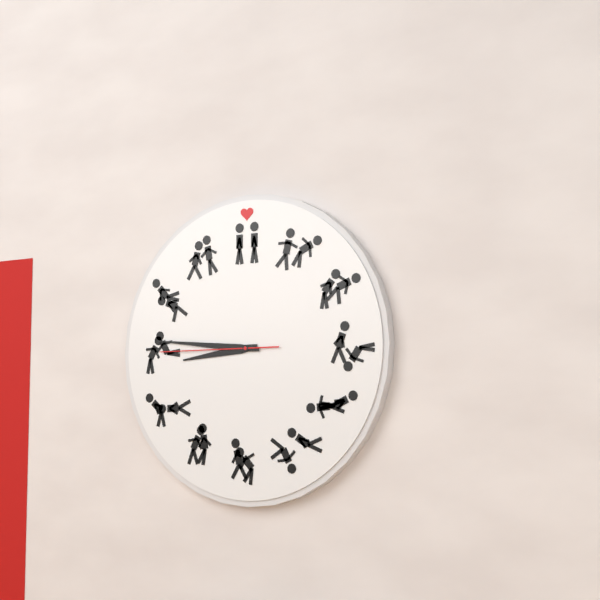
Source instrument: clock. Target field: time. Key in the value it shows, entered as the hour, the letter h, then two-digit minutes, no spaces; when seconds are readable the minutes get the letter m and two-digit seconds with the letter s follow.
8h46m45s
